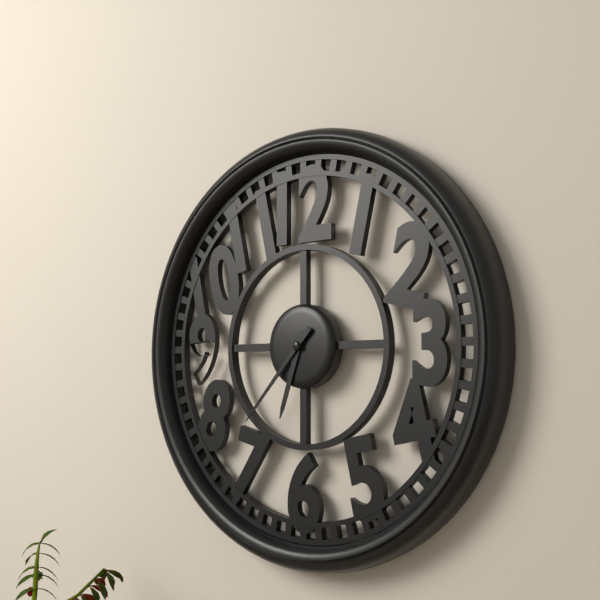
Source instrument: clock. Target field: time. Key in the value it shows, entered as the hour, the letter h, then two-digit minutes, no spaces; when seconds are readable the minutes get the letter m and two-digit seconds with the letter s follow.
6h37
